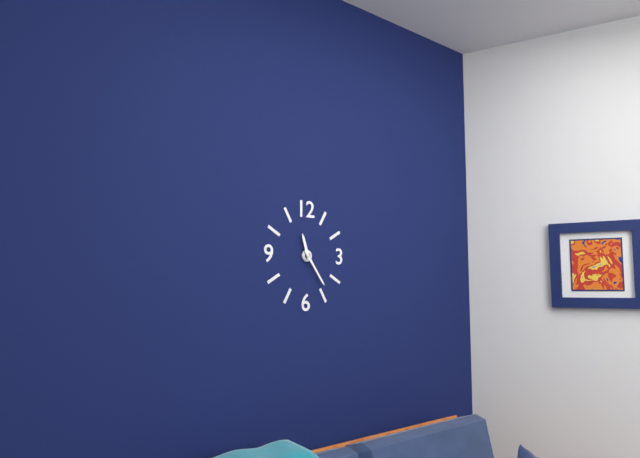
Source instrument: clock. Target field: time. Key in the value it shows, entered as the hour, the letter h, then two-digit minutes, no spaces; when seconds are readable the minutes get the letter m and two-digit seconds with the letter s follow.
11h24
